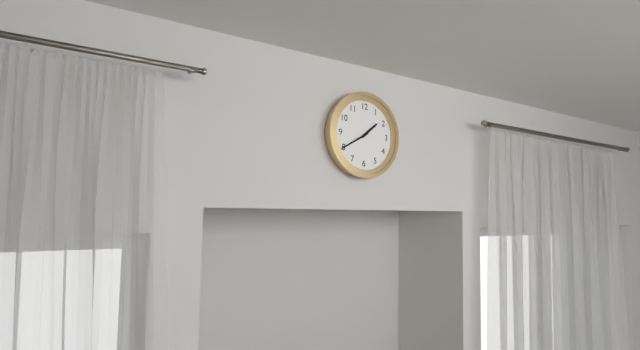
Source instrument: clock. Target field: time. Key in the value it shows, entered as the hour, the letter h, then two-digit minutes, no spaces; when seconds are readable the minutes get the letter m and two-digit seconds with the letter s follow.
1h40
